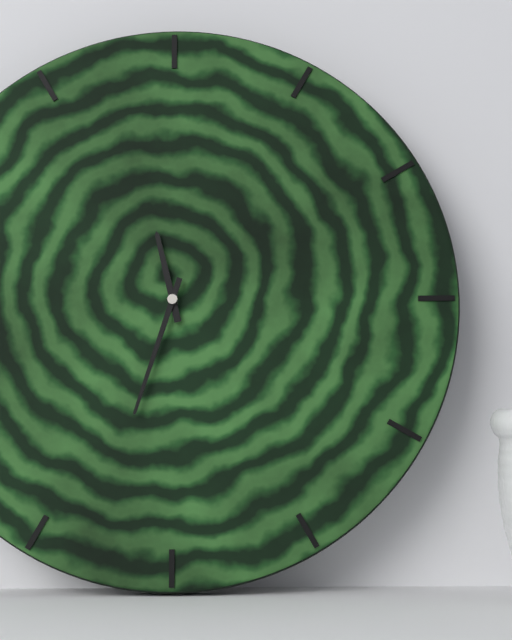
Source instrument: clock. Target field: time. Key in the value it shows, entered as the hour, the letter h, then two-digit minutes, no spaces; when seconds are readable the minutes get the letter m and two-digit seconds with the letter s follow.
11h33
